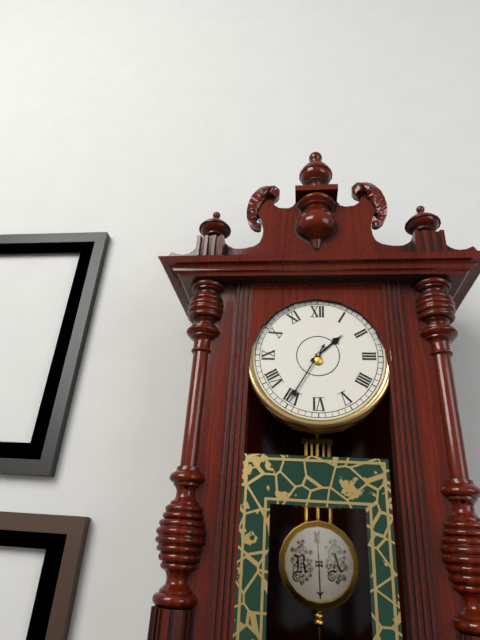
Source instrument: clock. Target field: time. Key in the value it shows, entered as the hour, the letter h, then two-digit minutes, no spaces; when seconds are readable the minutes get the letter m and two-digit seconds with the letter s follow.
1h35
